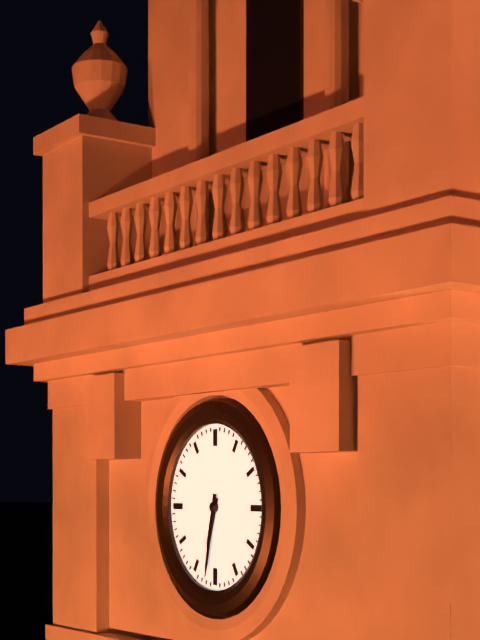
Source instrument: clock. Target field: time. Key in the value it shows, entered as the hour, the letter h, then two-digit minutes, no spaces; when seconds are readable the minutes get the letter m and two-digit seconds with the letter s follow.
6h32
